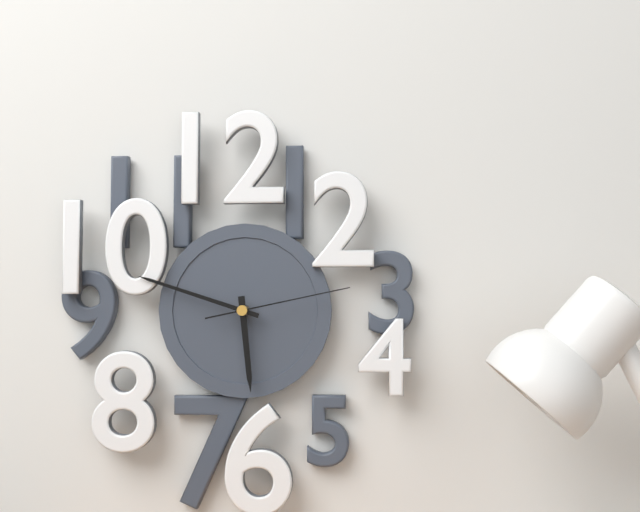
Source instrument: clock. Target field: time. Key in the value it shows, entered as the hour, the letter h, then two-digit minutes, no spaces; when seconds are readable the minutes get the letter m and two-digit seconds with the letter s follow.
5h48m13s
